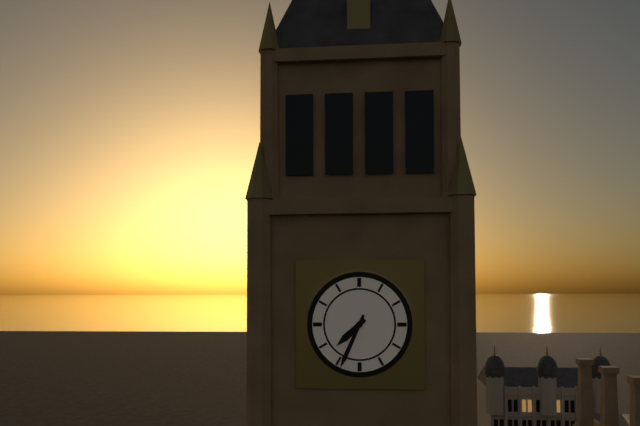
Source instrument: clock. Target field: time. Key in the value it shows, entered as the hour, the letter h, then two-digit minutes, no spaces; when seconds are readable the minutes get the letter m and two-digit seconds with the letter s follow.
7h34
